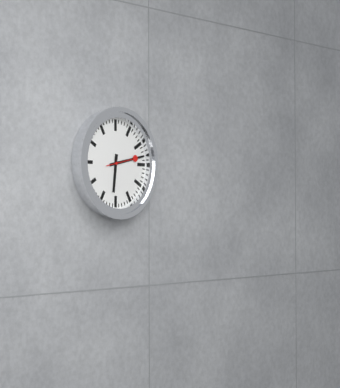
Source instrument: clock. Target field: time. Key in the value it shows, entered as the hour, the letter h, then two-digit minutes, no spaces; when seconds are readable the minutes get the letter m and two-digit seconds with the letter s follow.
6h13
